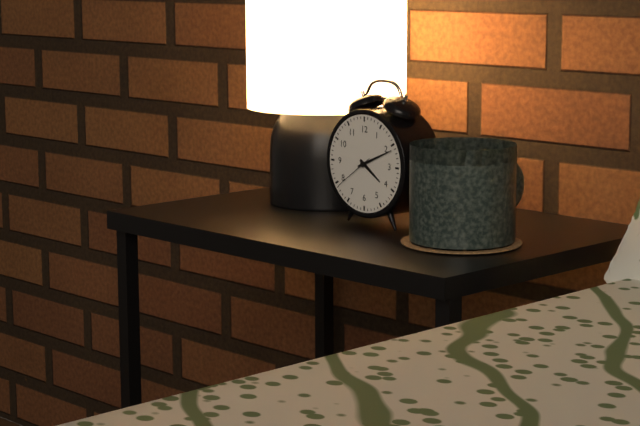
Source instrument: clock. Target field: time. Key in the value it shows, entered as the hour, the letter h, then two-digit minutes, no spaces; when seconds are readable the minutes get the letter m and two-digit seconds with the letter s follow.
4h11
